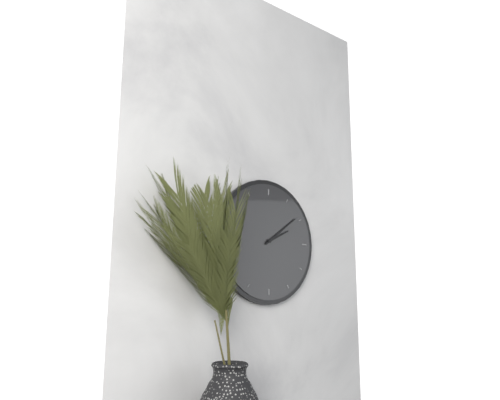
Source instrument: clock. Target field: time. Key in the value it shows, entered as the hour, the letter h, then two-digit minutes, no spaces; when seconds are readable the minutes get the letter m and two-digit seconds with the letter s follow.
2h09
